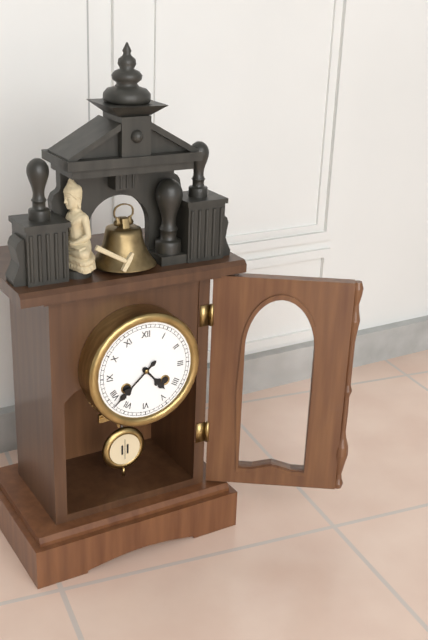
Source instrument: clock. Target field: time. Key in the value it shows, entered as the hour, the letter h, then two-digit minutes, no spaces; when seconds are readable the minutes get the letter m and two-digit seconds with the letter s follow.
4h38
